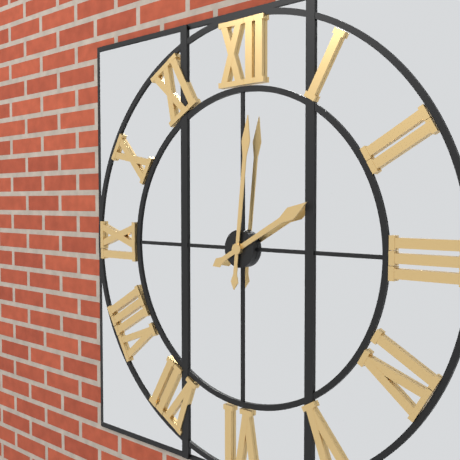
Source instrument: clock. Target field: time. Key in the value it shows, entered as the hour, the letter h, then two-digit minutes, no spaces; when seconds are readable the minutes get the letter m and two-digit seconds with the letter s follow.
2h01
